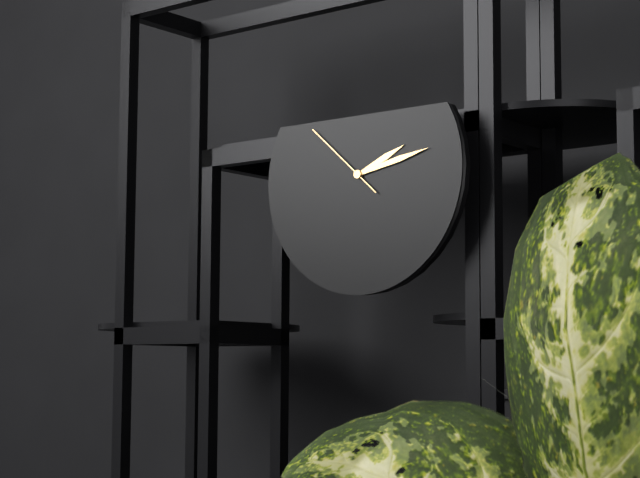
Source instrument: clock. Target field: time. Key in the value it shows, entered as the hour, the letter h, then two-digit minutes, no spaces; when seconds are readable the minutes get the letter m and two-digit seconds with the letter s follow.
2h13m52s
